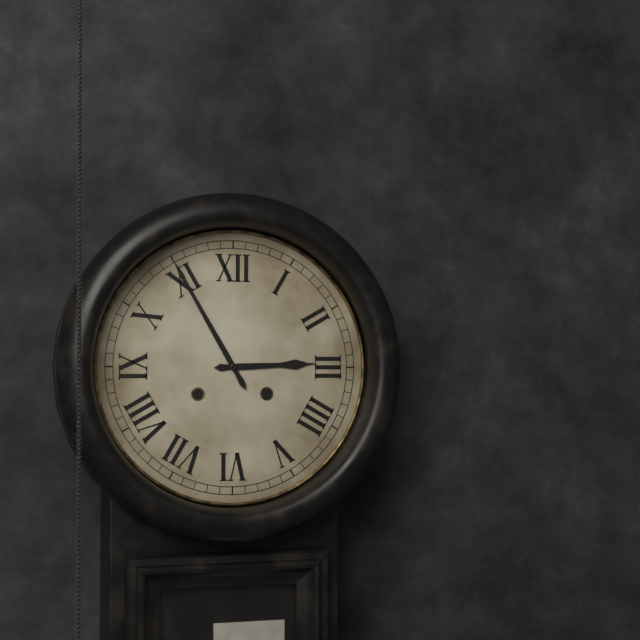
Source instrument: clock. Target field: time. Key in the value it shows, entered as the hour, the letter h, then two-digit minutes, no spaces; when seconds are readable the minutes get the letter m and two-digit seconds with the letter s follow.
2h55
